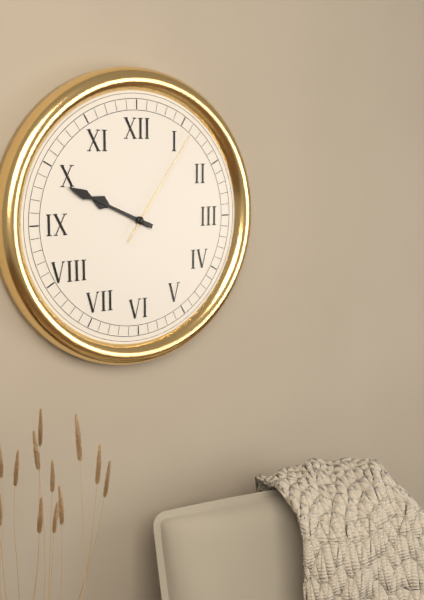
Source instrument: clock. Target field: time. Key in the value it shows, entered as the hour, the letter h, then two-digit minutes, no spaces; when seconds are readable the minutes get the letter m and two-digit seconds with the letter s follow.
9h49m06s
